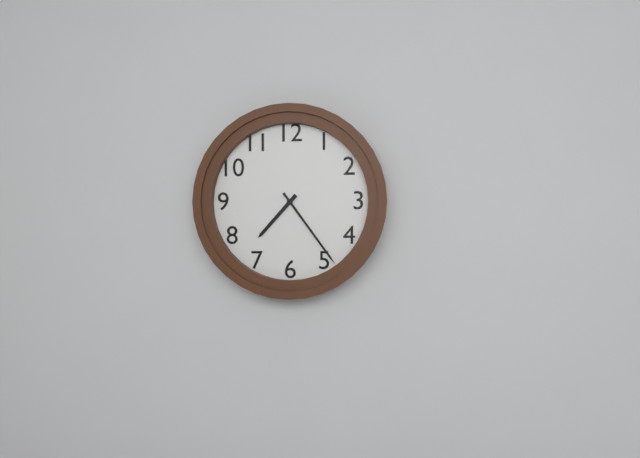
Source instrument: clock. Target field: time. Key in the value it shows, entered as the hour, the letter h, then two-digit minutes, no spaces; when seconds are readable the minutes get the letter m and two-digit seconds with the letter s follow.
7h24
